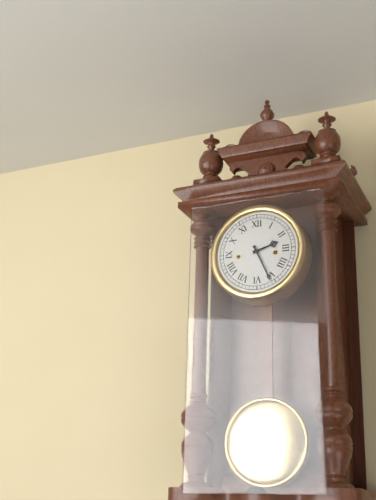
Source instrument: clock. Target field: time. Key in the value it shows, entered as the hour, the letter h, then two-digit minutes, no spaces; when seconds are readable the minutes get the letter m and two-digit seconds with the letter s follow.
2h26
